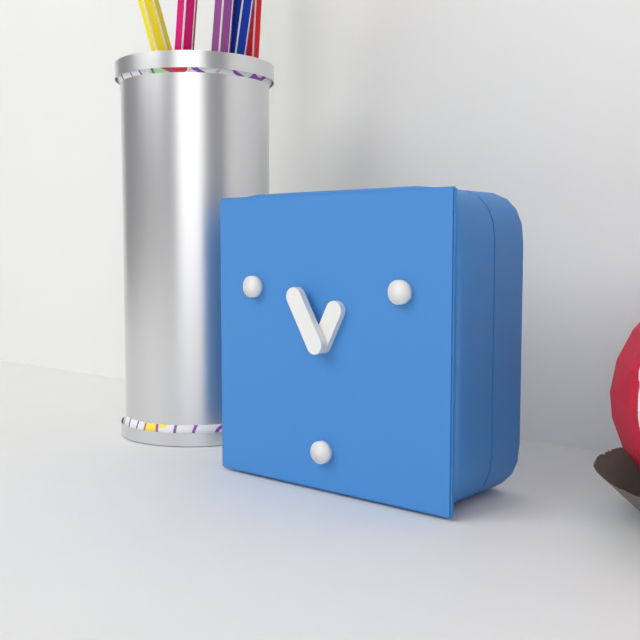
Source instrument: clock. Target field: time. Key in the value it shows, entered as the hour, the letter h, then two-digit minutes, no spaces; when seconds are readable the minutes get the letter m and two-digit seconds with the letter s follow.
12h55
